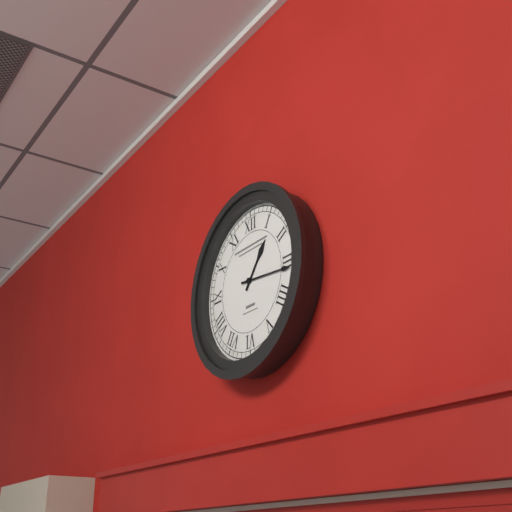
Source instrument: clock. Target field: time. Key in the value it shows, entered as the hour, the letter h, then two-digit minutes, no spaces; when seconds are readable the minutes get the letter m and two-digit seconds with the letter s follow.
1h16
